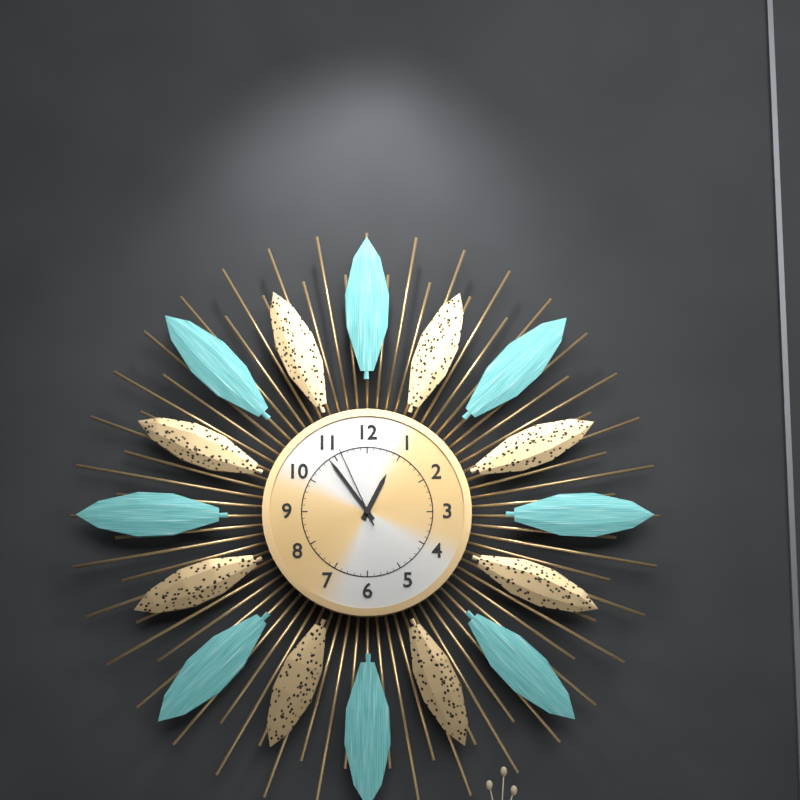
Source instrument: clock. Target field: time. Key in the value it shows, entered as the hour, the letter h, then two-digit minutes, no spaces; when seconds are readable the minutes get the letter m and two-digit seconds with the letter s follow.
12h54m56s
